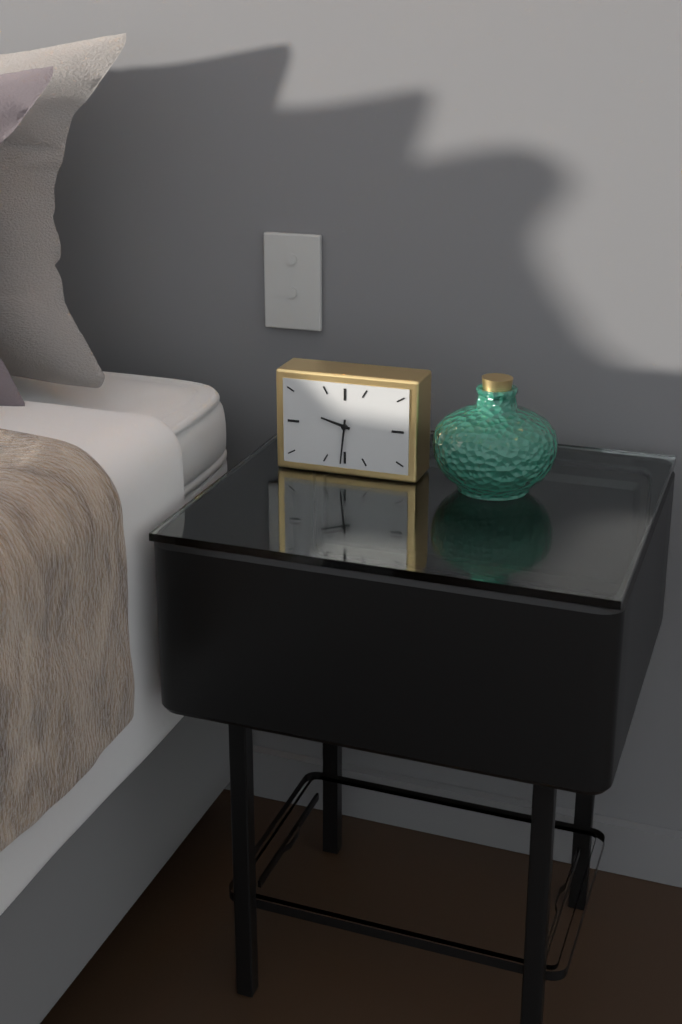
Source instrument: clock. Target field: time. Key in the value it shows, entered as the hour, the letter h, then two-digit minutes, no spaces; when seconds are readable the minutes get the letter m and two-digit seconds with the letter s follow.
9h31
